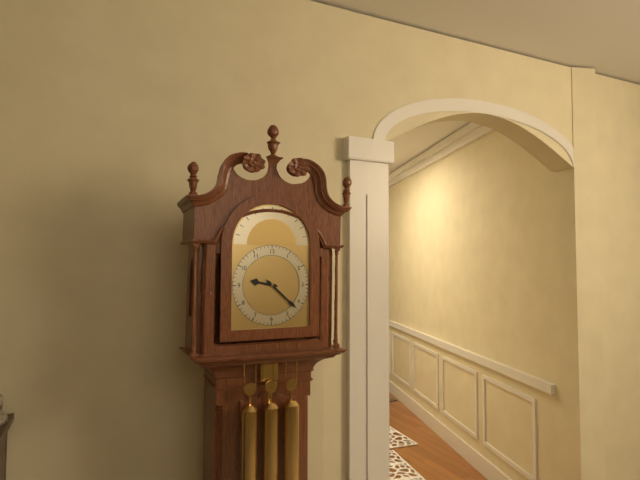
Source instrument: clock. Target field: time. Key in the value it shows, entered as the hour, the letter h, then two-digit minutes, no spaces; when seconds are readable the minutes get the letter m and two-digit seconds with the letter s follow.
9h22
